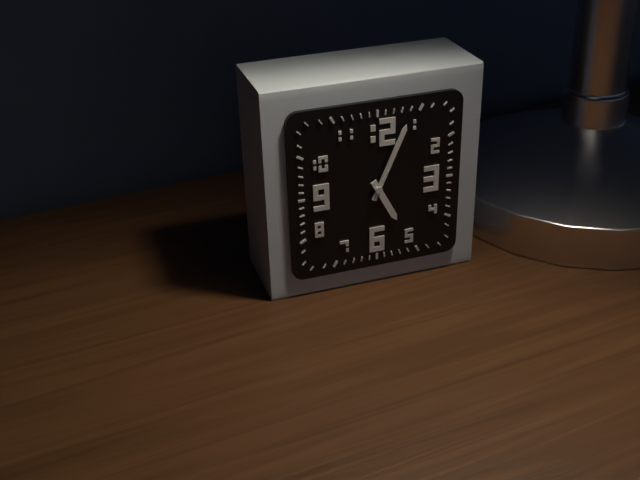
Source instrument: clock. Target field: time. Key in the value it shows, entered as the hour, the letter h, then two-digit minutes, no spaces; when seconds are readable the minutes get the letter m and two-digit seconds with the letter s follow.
5h04
